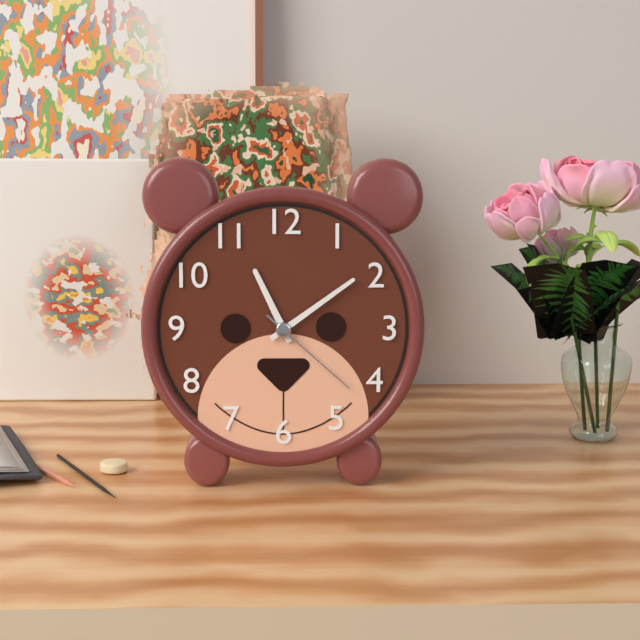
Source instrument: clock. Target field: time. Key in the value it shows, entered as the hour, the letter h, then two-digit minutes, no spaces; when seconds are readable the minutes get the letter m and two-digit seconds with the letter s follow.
11h09m22s
